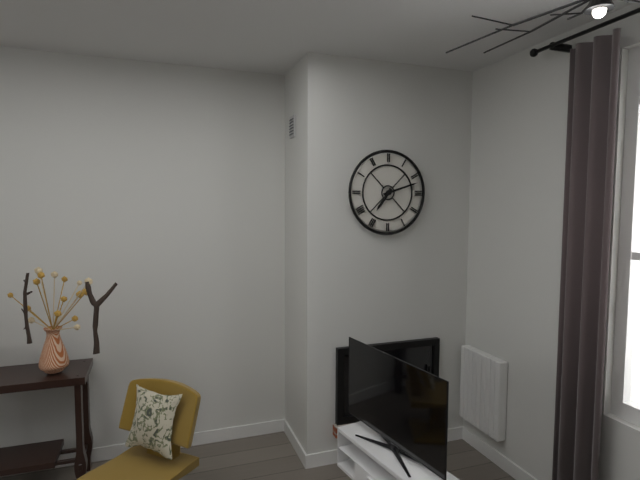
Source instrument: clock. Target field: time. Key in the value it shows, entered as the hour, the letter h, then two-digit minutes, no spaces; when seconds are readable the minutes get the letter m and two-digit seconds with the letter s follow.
7h12
